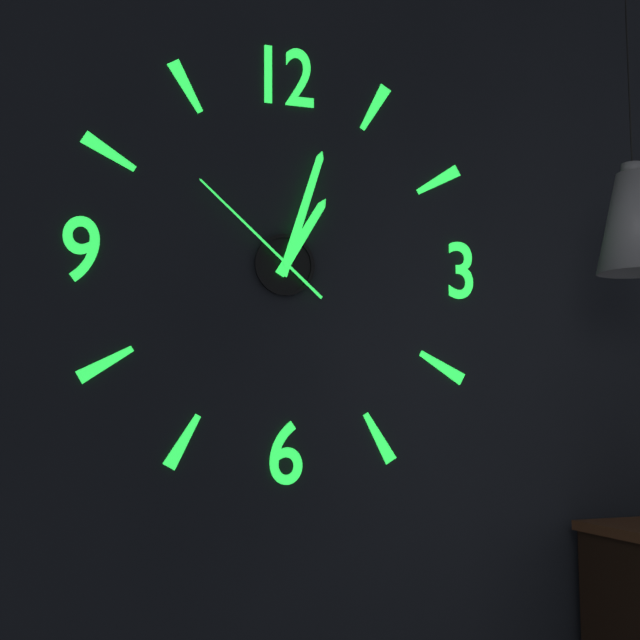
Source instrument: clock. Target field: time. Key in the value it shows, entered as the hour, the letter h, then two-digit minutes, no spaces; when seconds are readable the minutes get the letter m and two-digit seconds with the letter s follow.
1h03m52s
